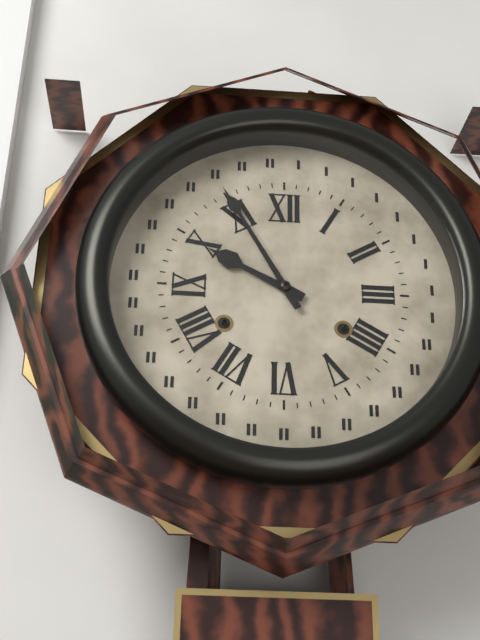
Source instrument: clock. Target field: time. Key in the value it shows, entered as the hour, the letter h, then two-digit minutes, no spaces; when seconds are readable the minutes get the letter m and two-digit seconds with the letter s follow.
9h55
